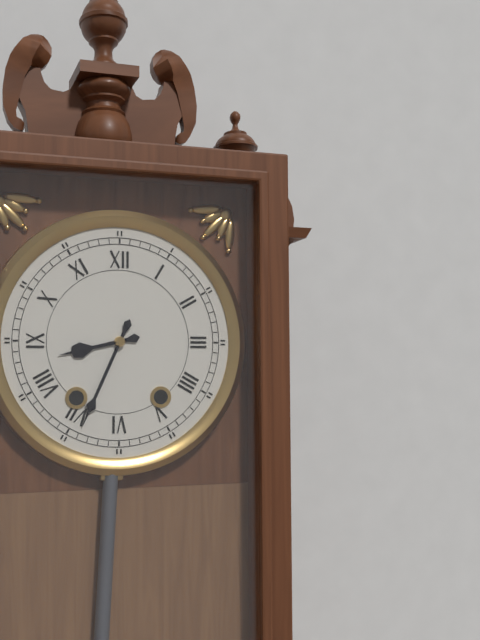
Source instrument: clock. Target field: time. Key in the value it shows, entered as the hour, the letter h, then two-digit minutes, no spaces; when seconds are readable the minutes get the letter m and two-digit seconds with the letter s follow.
8h34
